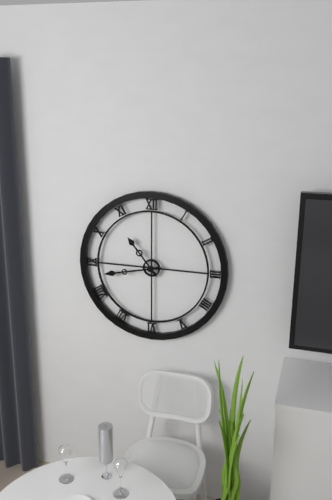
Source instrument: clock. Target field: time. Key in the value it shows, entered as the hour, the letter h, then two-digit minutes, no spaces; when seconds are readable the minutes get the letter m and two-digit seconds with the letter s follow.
10h43
